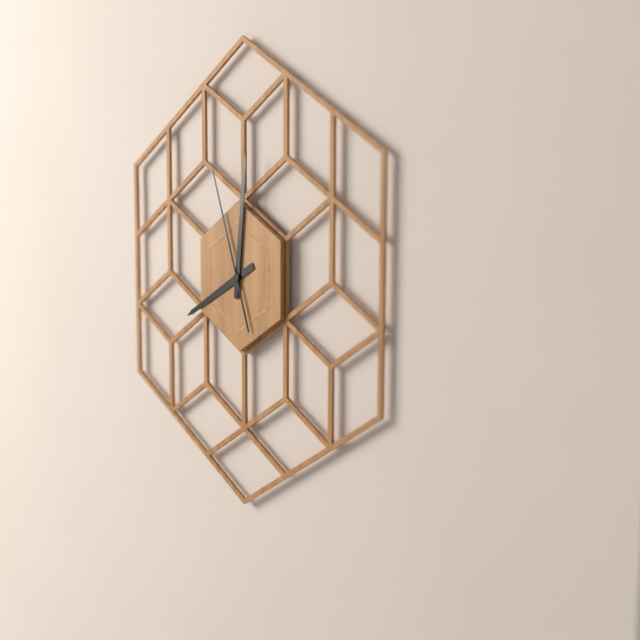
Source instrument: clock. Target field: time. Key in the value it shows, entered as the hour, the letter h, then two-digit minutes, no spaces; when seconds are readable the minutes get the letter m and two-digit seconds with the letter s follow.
8h01m57s
